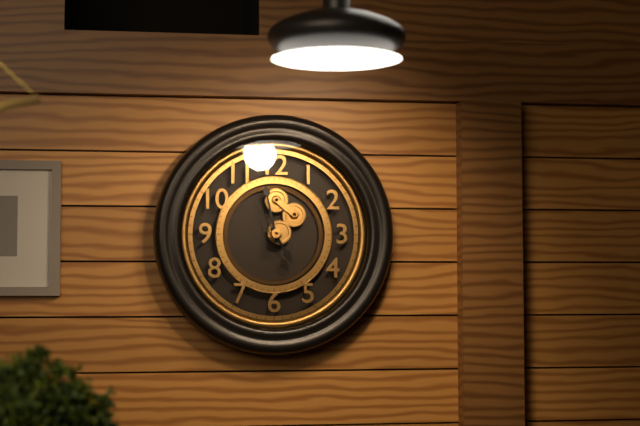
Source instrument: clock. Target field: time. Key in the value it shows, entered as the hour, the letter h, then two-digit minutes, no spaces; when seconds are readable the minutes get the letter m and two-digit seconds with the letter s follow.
4h58m55s
